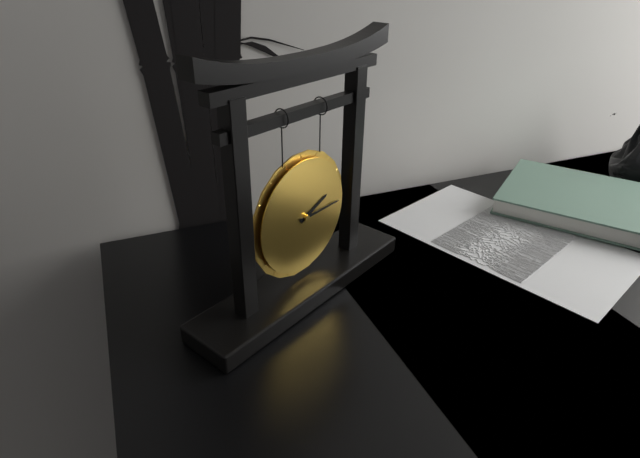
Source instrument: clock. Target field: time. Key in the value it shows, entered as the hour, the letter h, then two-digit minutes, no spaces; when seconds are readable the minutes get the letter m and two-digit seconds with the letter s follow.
2h15
